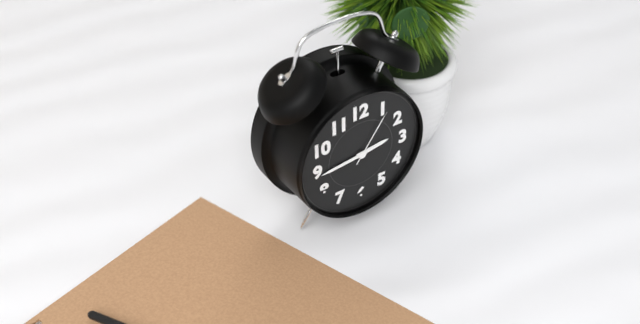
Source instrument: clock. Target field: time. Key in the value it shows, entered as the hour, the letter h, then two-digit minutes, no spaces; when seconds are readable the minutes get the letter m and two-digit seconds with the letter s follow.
2h44m06s
